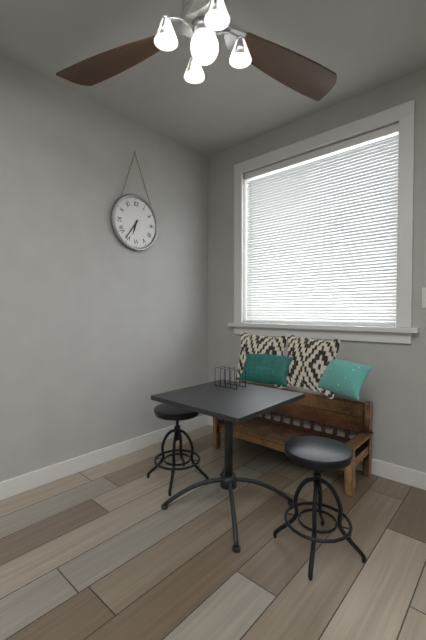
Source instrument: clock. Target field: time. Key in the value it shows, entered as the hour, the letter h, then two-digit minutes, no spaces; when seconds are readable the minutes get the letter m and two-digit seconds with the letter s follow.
6h36
